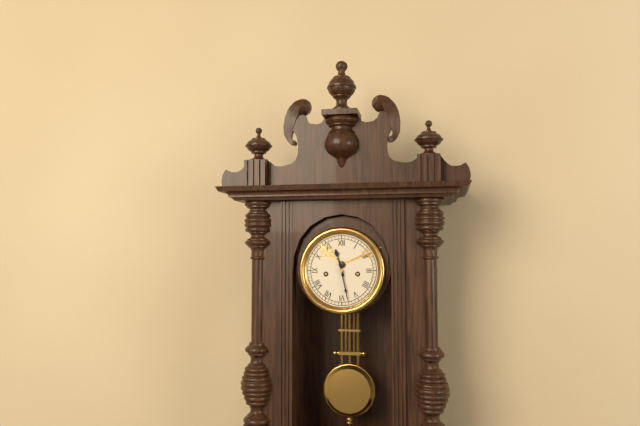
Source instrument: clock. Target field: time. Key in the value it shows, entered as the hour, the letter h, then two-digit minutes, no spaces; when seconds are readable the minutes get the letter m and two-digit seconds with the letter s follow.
11h28
